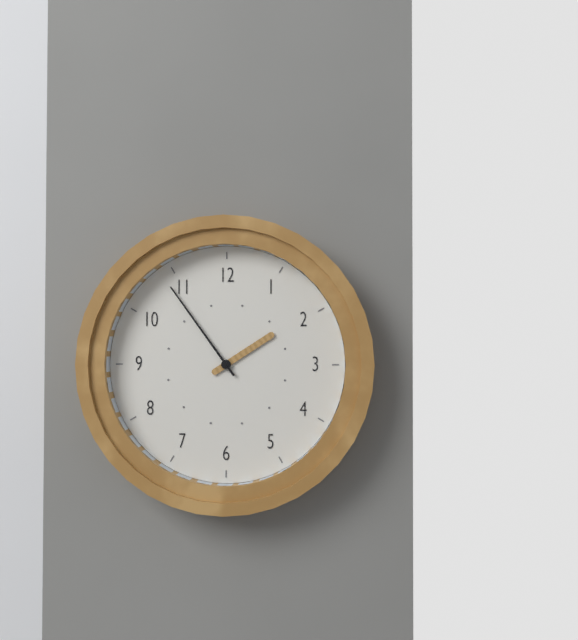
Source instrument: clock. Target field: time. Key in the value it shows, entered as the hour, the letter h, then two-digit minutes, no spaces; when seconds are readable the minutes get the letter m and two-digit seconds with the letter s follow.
1h54
